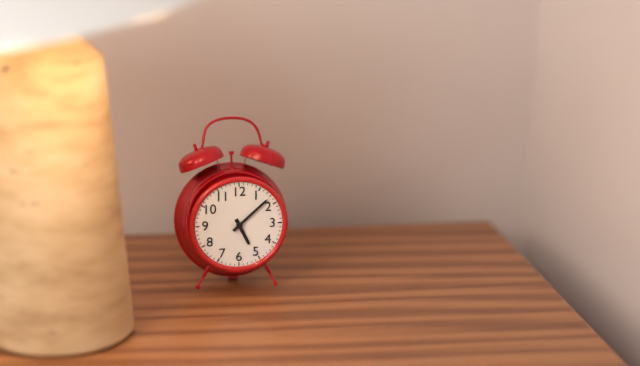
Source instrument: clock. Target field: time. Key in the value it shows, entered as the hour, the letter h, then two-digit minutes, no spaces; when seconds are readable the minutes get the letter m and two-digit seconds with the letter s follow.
5h08
